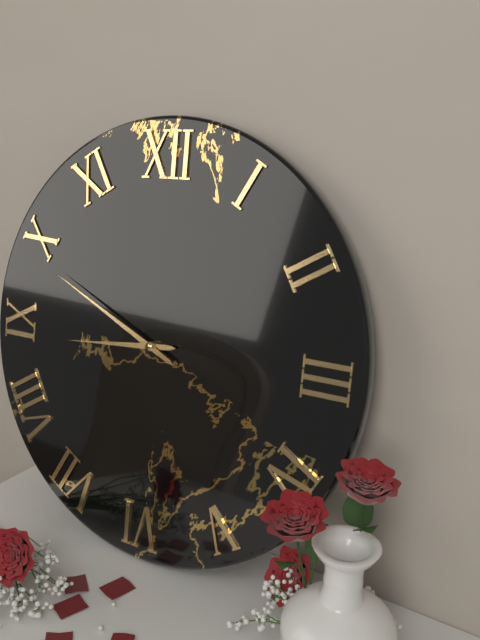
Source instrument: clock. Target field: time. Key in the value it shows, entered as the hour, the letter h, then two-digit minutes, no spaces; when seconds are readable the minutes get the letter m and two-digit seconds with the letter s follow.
8h49
